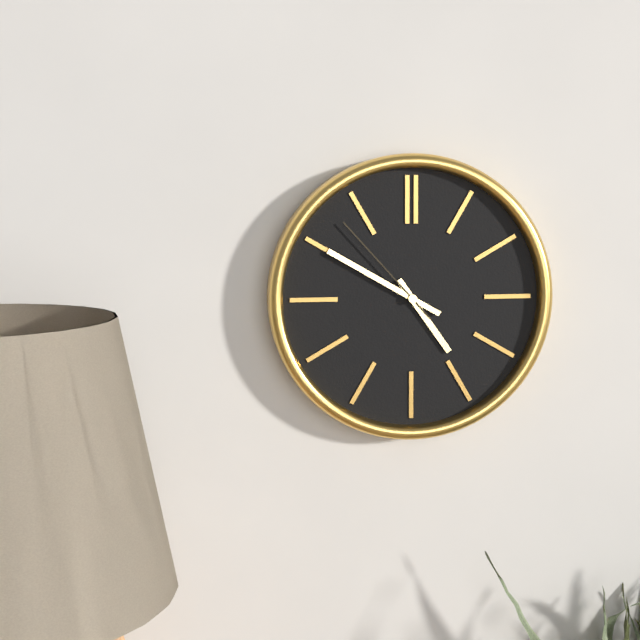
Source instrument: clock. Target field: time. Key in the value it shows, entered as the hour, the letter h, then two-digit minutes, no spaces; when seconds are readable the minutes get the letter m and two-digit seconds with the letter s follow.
4h50m53s
